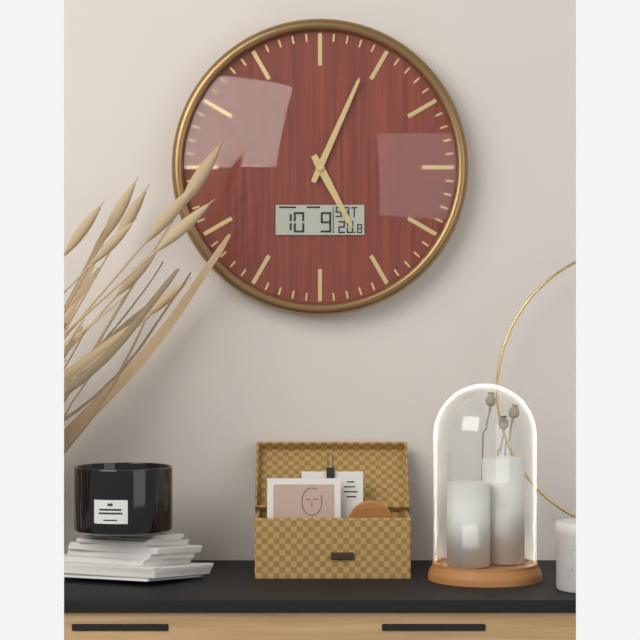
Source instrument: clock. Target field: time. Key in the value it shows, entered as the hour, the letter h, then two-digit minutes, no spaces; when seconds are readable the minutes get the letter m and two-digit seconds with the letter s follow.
5h04
